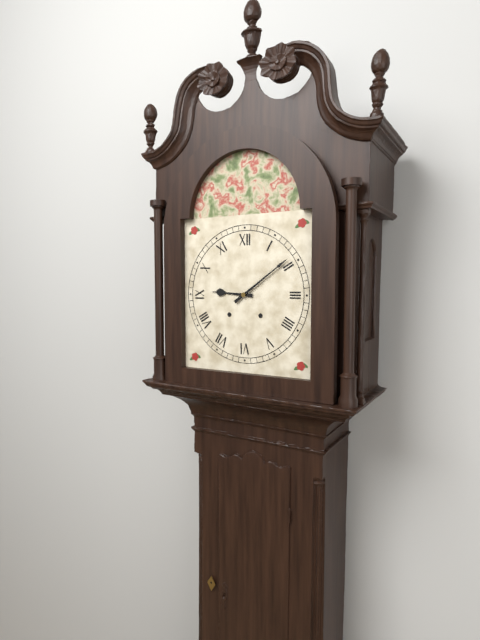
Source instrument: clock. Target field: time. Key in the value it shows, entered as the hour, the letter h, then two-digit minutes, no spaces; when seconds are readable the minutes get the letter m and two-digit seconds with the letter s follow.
9h09
